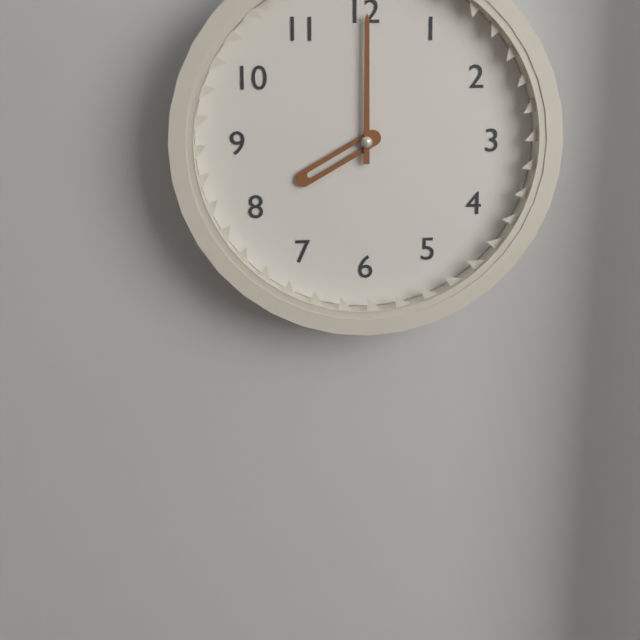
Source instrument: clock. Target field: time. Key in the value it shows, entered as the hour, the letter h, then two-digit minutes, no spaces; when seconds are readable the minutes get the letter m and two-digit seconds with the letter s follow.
8h00
